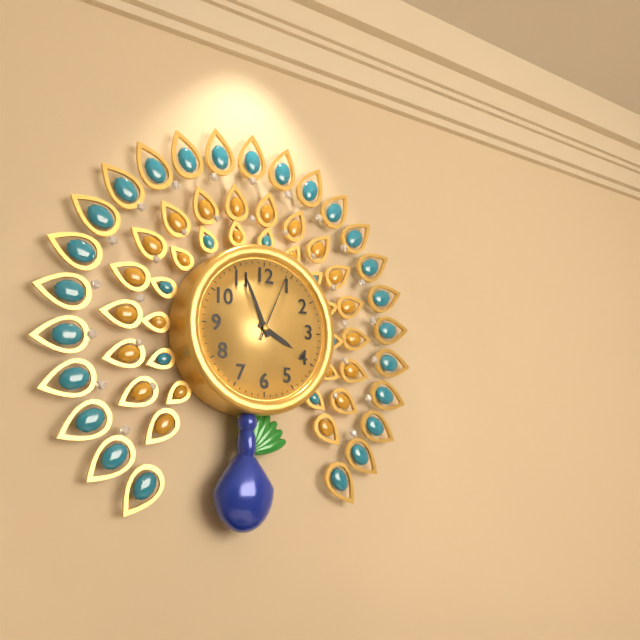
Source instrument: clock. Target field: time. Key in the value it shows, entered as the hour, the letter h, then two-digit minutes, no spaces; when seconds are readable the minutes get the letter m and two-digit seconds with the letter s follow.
3h56m04s
